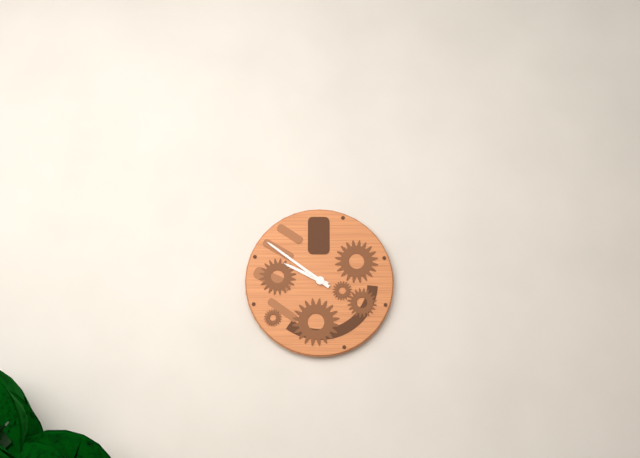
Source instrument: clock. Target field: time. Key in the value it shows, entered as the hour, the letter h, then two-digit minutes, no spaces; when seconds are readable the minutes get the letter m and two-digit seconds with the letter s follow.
9h51
